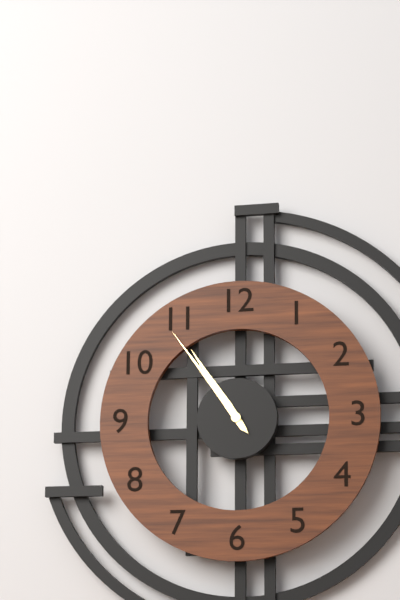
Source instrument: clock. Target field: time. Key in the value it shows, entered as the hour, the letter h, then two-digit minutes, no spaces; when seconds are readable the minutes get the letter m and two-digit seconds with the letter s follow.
10h54
